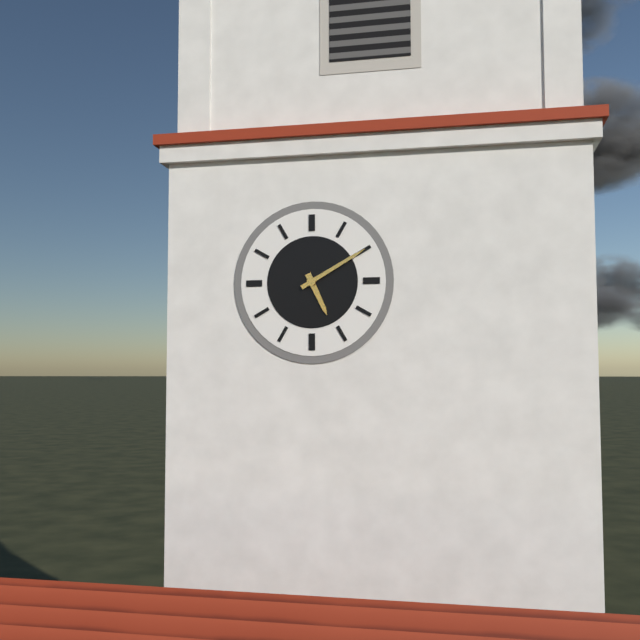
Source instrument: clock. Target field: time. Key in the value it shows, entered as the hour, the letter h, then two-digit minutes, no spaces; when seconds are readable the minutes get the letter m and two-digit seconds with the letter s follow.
5h10
